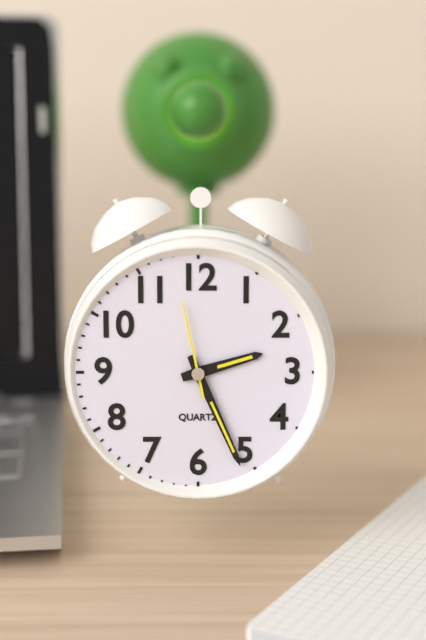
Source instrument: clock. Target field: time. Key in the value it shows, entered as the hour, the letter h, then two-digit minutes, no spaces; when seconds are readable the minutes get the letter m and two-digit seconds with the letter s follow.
2h26m58s
